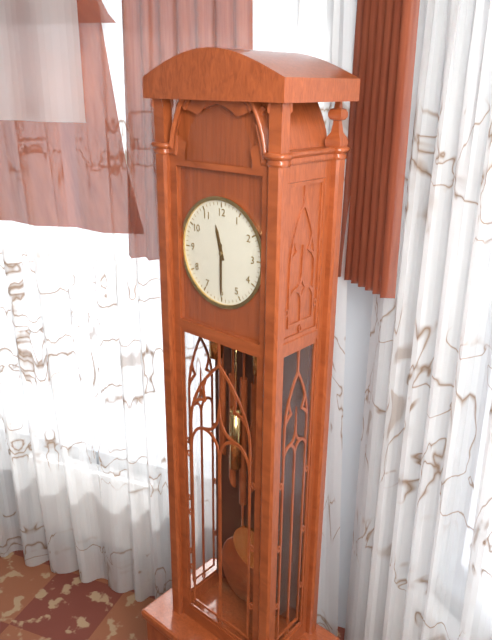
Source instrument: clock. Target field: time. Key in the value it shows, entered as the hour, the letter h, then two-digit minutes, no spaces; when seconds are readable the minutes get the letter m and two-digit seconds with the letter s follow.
11h30
